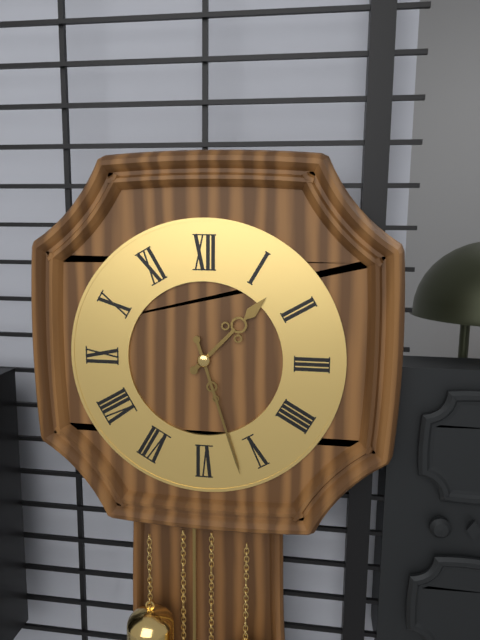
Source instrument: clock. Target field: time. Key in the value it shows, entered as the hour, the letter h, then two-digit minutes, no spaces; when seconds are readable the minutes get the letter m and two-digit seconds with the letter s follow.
1h27
